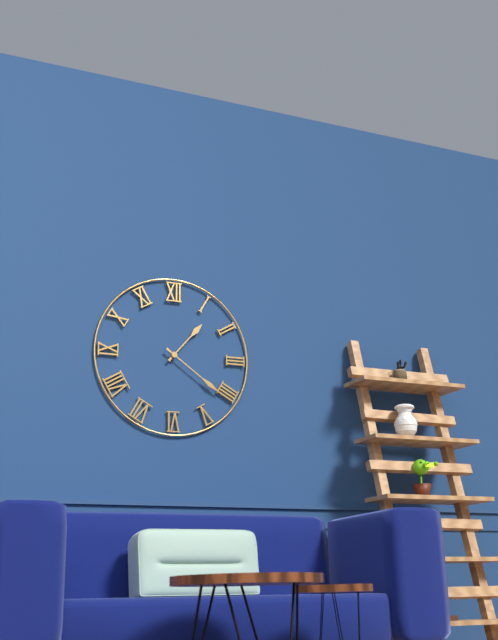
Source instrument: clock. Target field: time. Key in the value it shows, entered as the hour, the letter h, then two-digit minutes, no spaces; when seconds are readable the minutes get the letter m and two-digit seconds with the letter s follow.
1h21
